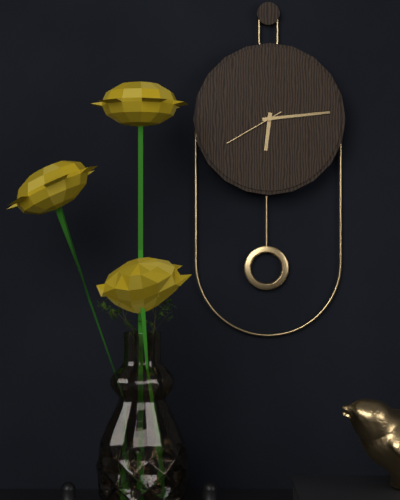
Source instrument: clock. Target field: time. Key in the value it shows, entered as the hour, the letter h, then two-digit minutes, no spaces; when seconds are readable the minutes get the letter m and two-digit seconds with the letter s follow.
6h14m40s
